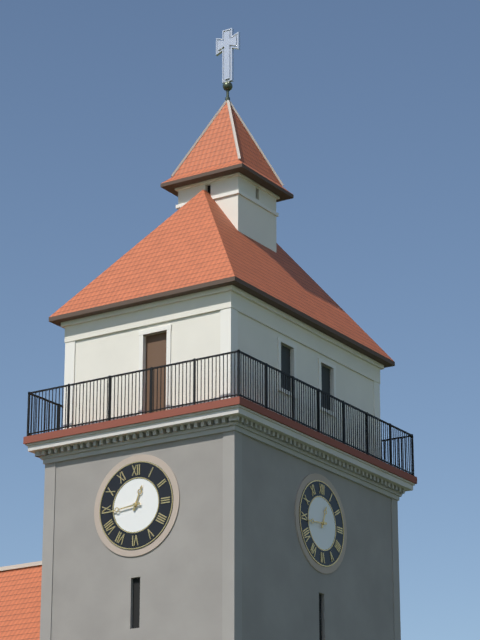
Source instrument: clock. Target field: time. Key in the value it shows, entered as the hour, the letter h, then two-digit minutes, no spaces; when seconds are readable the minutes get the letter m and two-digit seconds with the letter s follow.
12h44
